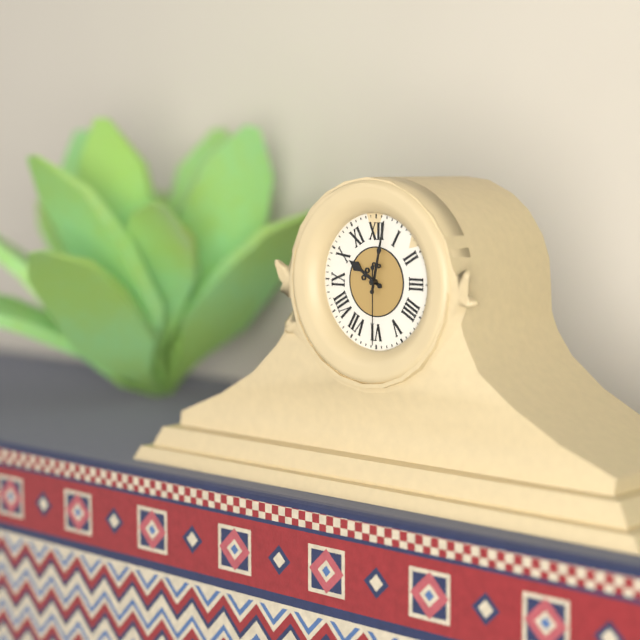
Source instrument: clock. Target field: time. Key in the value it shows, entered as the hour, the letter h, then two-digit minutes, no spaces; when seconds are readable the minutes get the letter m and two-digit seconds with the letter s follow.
10h02m30s
